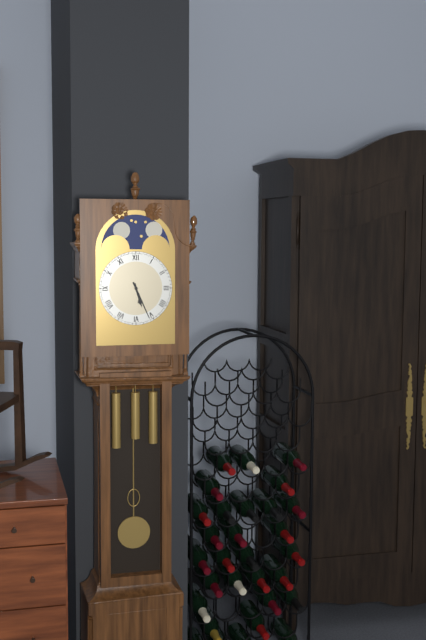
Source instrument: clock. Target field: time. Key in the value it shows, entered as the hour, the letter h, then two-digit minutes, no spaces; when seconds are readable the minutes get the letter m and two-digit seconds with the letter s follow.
5h26
